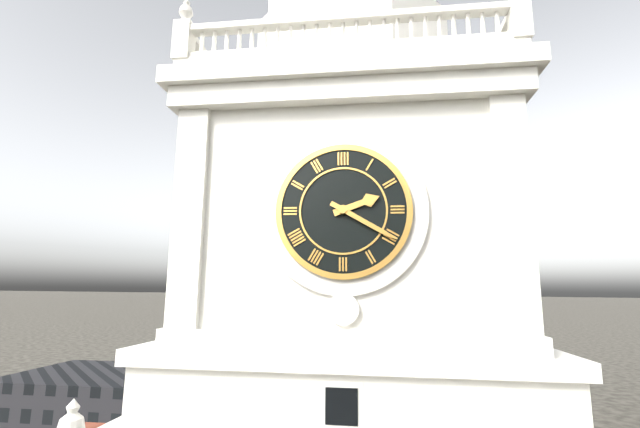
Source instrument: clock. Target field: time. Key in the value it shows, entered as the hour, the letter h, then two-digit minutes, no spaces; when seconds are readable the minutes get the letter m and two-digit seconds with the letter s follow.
2h20
